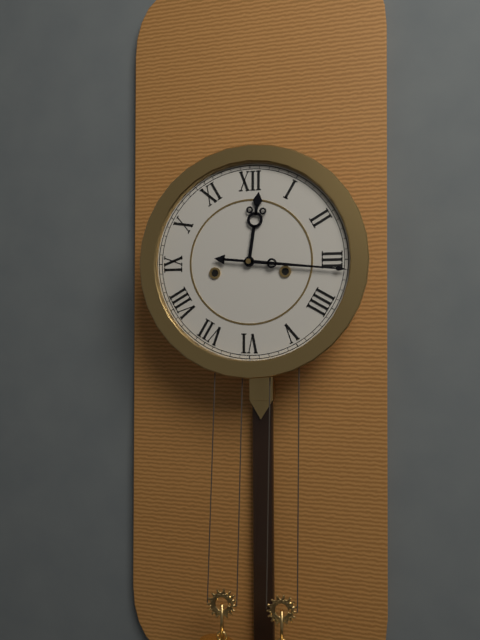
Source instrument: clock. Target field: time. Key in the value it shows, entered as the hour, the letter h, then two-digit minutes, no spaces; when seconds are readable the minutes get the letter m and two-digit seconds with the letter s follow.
12h16
